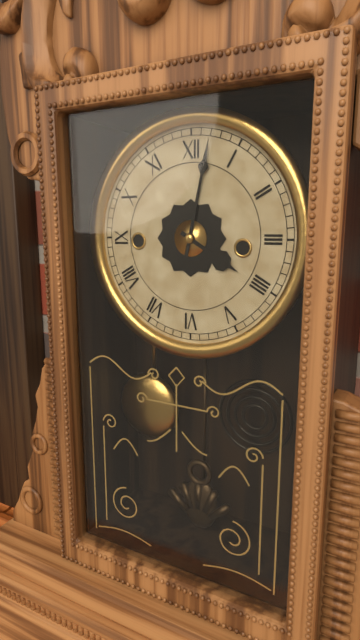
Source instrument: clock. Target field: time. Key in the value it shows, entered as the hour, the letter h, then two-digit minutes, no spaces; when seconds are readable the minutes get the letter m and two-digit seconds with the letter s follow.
4h02
